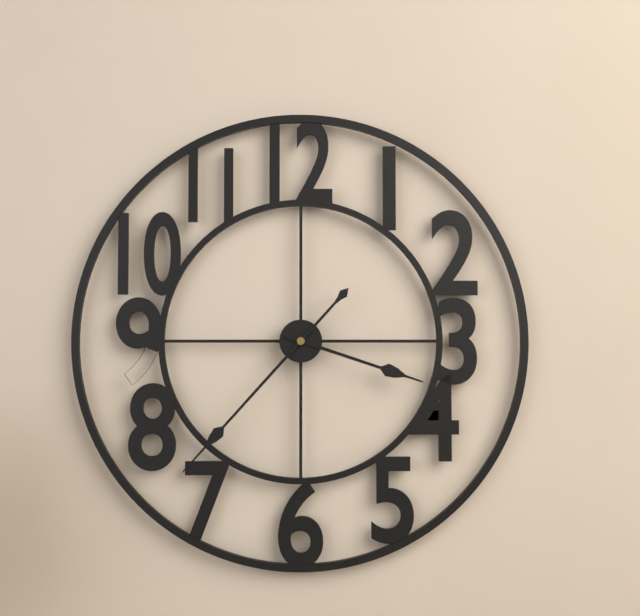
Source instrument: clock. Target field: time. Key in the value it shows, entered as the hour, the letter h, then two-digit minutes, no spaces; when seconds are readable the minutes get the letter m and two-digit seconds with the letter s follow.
3h37
